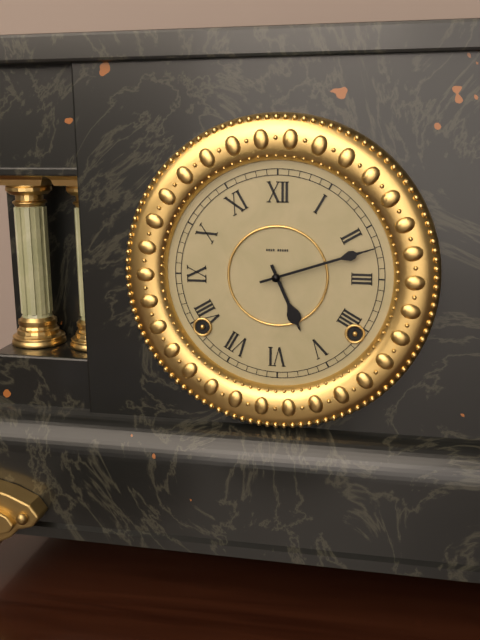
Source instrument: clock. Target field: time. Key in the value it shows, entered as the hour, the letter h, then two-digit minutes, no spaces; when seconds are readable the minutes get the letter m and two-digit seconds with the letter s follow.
5h12
